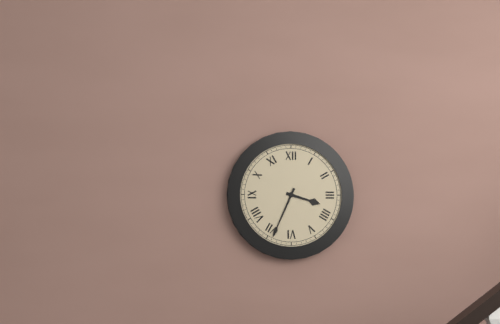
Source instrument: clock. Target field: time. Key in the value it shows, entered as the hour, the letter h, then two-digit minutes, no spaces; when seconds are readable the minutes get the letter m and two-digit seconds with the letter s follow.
3h34
